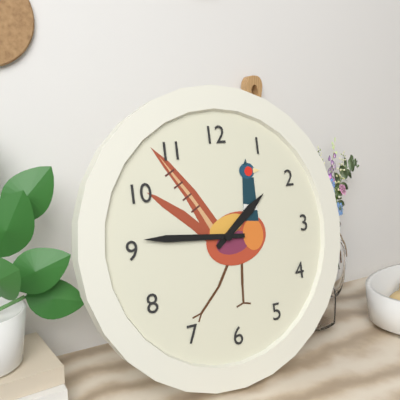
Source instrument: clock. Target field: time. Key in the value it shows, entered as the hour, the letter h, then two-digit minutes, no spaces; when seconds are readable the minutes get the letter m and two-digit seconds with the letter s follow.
1h46
